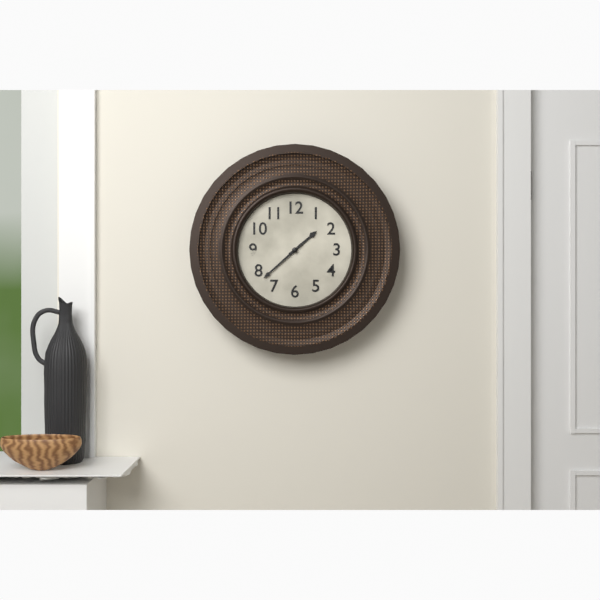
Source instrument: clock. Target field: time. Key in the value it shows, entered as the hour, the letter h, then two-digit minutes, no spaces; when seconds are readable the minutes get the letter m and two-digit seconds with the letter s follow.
1h38
